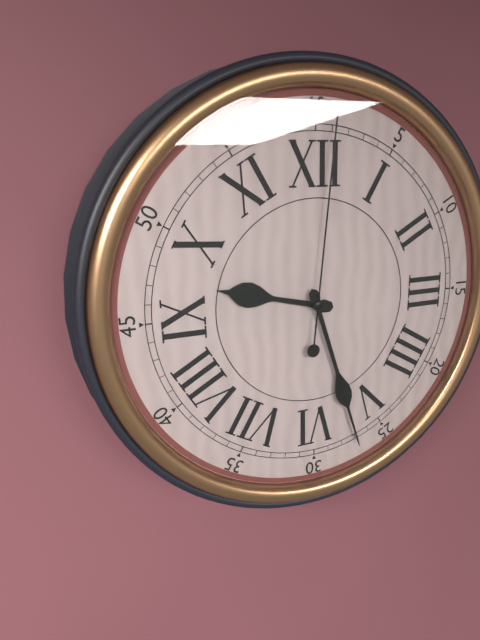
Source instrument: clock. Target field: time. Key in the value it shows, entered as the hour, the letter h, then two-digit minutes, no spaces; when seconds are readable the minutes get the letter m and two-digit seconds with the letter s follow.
9h27m01s
